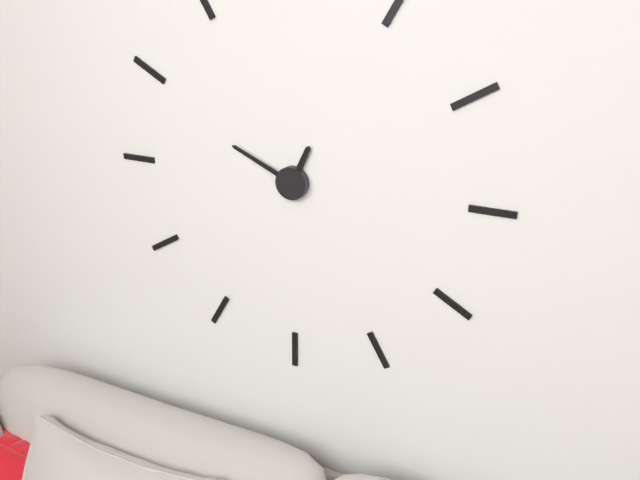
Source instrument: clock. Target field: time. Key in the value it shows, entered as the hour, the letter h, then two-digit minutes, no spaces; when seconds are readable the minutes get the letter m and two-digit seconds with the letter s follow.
12h49
